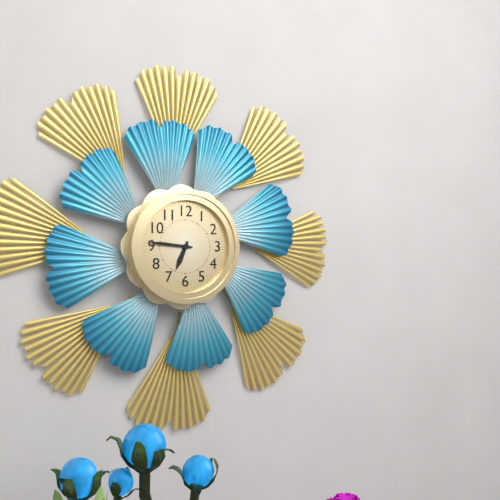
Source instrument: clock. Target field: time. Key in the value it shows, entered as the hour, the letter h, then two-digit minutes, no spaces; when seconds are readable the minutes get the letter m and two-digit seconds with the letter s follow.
6h46
